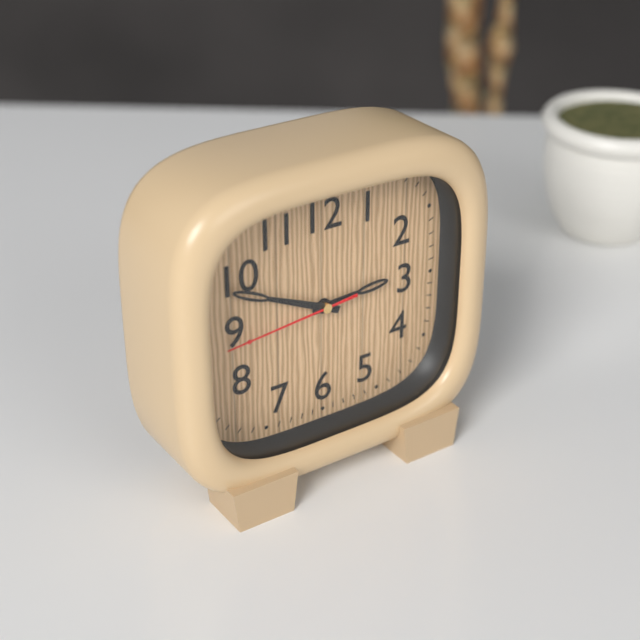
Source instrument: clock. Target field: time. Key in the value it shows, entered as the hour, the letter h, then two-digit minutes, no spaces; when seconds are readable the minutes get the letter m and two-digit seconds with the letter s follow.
2h49m44s
